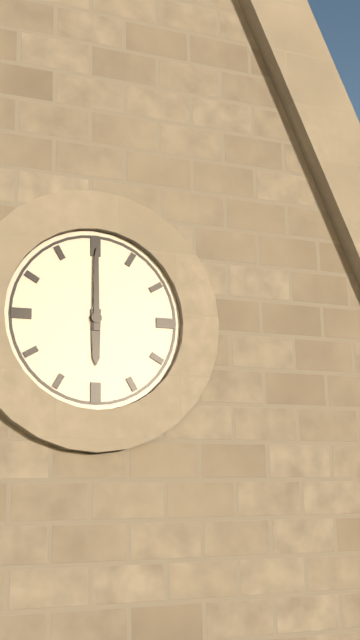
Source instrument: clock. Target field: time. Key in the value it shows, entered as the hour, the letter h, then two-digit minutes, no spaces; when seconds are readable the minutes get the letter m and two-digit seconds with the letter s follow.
6h00
